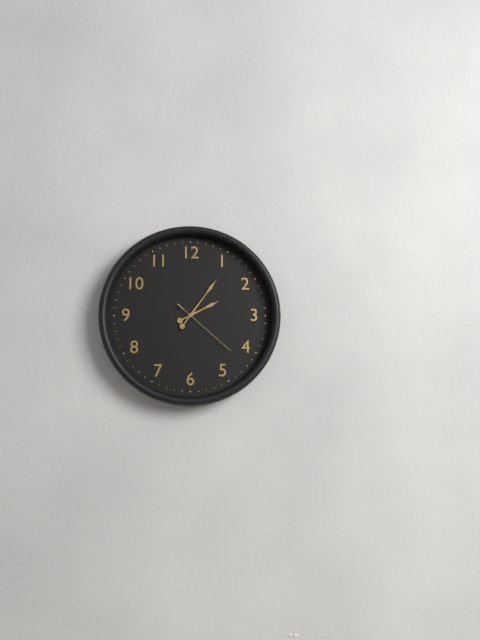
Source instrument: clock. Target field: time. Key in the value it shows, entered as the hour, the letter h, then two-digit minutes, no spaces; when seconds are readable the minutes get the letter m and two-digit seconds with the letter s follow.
2h06m22s
